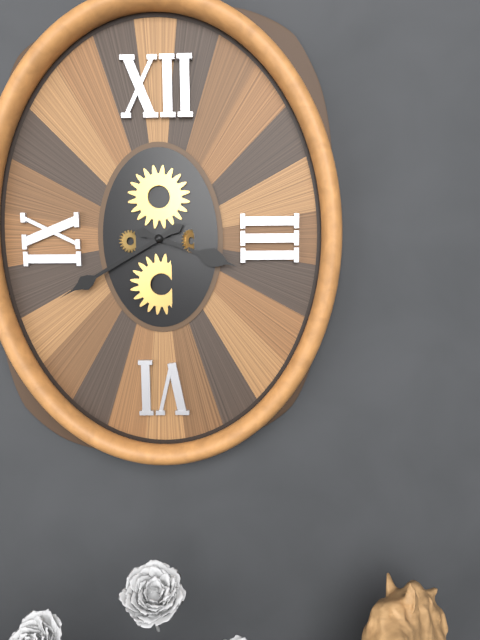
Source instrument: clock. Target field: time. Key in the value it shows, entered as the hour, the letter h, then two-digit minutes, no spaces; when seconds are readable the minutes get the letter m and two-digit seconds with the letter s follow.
3h40
